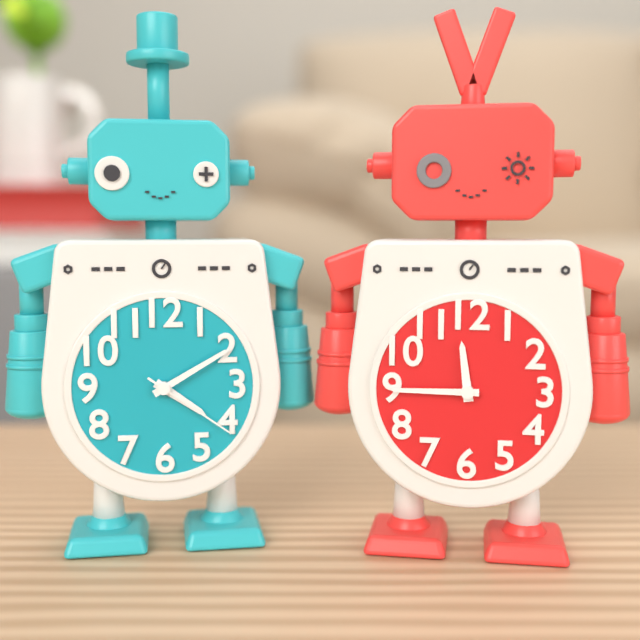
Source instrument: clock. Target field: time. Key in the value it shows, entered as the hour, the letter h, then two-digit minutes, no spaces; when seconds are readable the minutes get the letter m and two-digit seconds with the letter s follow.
4h10m21s
